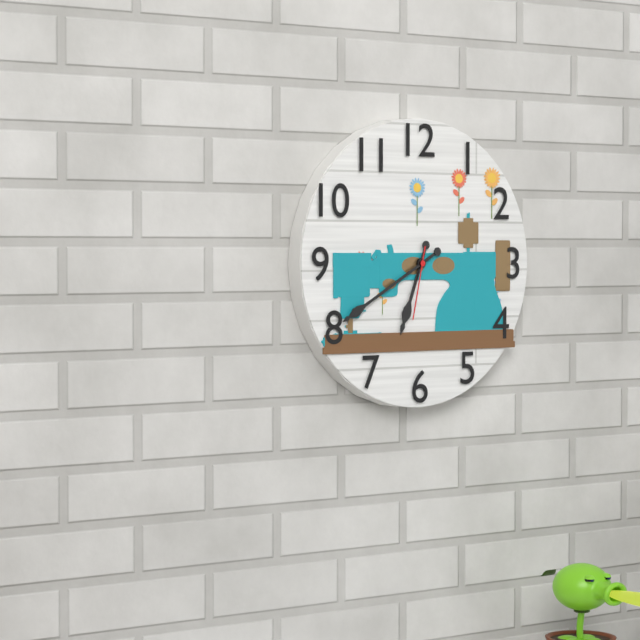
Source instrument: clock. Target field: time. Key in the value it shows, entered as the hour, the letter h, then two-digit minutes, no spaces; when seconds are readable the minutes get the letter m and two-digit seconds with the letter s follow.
6h40m32s
